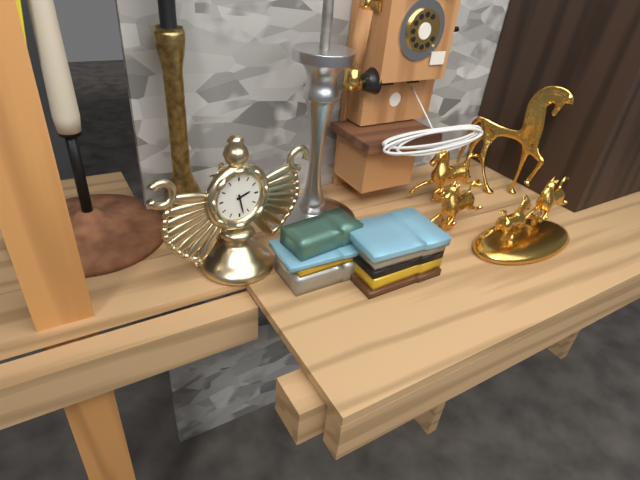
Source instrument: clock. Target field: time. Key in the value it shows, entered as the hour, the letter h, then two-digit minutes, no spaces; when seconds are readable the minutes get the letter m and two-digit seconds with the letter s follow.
2h28
